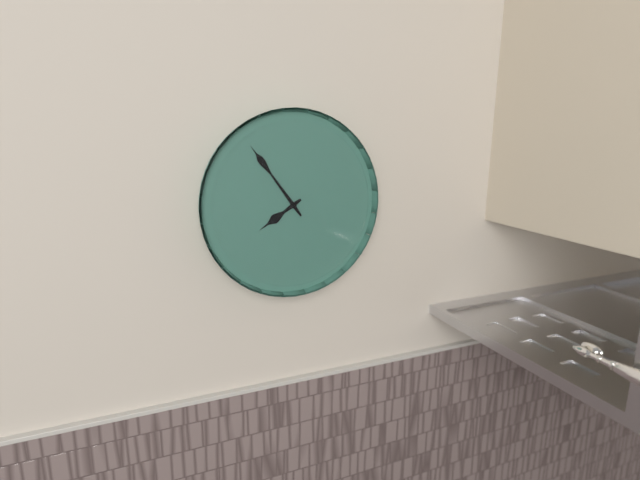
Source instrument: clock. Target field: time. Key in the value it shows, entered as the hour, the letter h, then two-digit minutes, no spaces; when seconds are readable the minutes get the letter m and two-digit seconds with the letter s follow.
7h54
